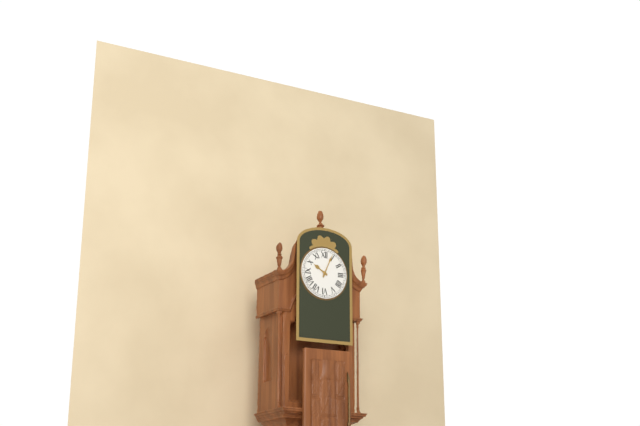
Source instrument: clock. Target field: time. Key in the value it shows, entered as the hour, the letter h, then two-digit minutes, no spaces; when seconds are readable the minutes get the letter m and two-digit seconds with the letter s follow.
10h04
